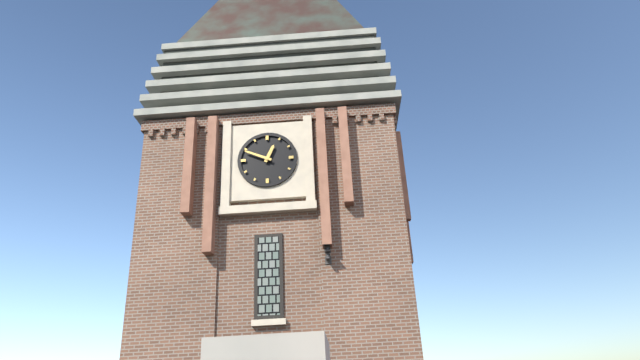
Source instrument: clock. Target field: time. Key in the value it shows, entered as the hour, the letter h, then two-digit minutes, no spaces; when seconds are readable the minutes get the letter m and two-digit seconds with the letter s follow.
12h49
